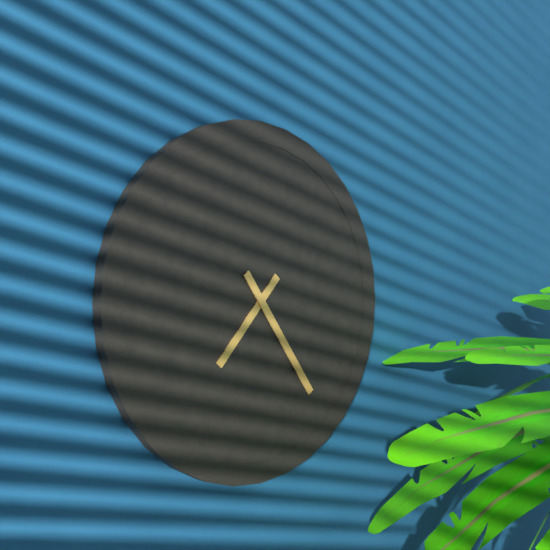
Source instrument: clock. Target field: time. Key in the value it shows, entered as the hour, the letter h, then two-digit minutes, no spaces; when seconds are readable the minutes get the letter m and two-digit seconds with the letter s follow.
7h24
